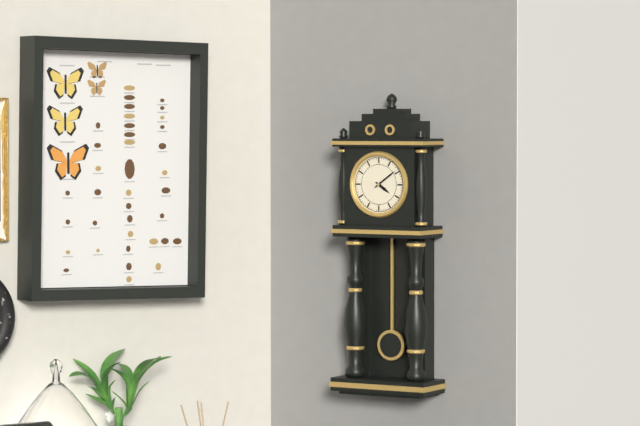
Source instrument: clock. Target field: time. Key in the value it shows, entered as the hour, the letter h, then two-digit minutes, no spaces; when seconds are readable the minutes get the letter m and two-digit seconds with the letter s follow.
4h09
